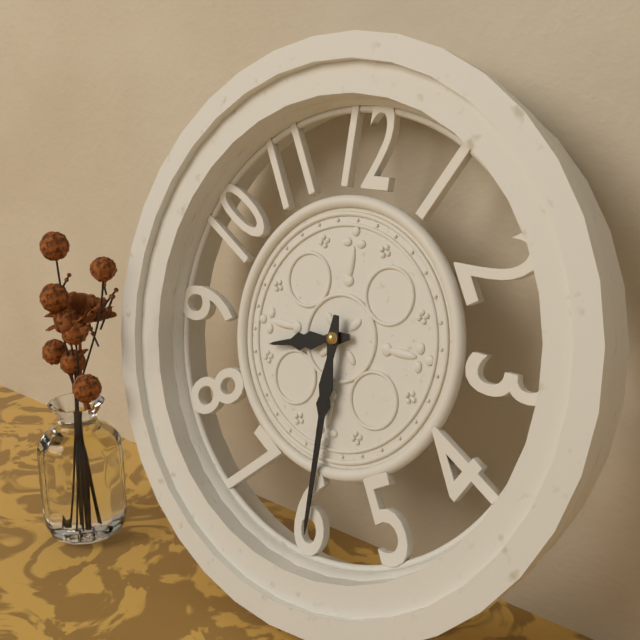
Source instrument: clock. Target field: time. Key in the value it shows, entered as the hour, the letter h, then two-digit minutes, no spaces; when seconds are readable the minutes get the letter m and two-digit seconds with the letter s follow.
8h30
